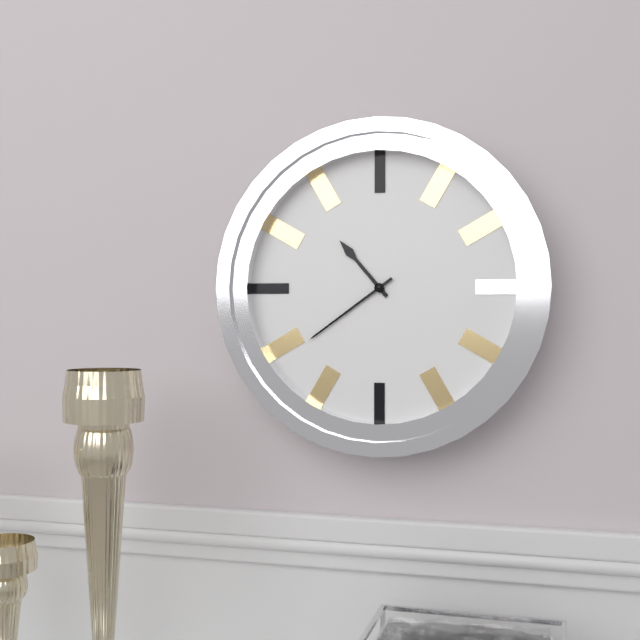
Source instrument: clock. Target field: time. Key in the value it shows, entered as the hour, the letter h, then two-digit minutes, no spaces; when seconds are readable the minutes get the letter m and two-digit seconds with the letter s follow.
10h39
